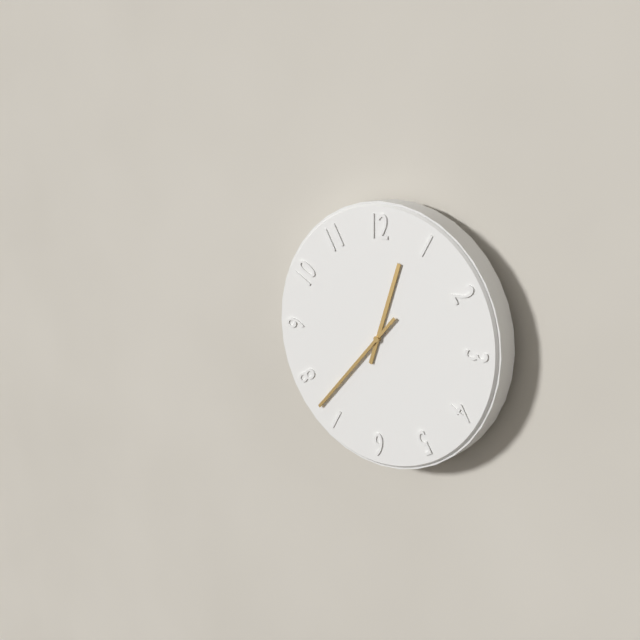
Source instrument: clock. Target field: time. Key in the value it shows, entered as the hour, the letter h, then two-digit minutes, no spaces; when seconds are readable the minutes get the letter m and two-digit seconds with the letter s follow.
12h37
